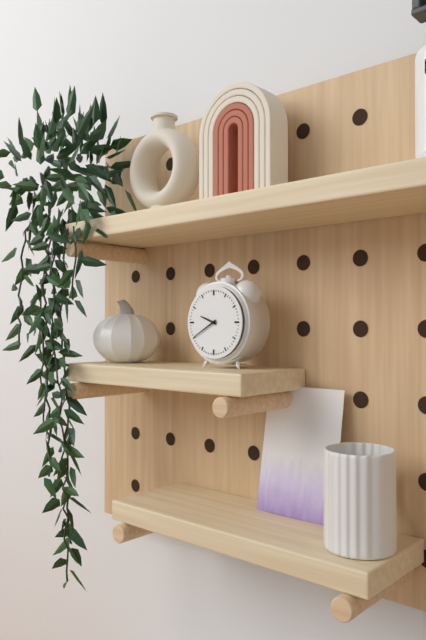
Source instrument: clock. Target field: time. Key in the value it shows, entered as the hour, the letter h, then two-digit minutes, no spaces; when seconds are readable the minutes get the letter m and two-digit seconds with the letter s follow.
9h40
